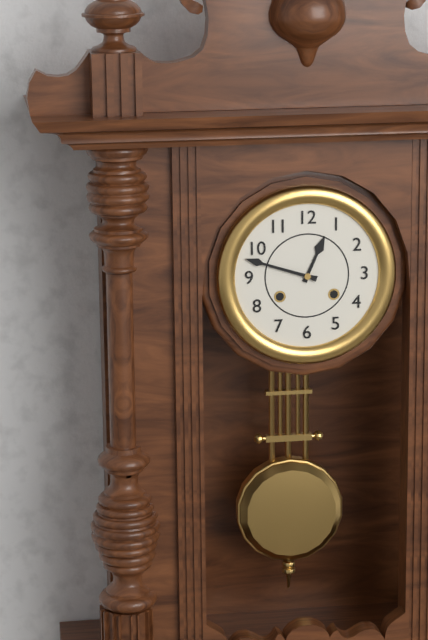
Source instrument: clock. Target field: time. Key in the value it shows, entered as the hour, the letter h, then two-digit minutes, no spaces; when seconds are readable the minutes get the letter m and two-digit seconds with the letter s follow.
12h48
